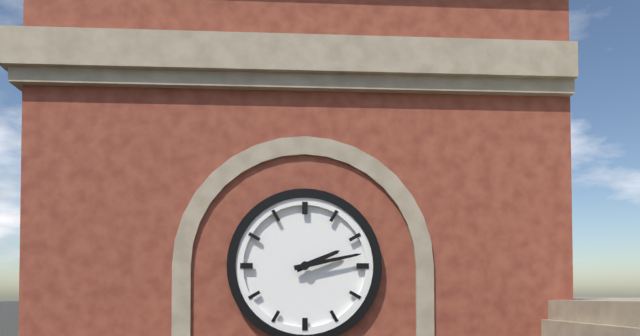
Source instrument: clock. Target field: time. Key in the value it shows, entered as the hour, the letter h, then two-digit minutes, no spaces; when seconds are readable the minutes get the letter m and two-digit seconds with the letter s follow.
2h13
